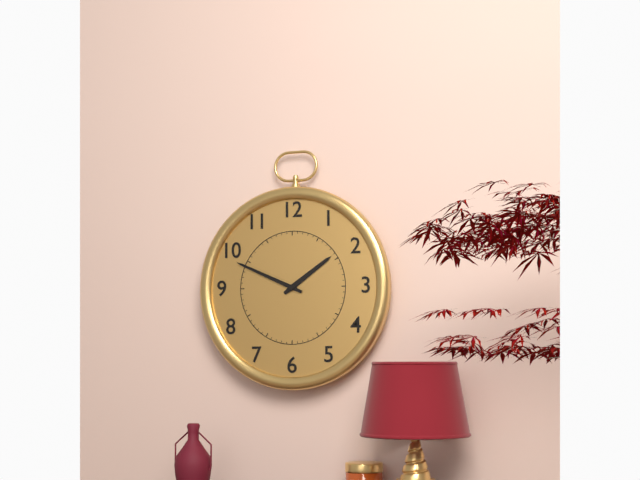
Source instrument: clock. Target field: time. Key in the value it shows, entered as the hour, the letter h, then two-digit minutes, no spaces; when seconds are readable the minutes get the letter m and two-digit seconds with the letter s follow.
1h49
